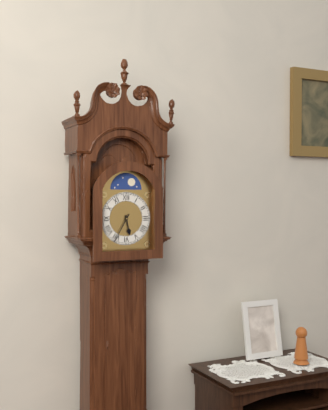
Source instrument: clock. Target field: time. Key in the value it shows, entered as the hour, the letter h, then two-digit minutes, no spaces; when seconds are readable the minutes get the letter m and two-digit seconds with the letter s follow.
5h35
